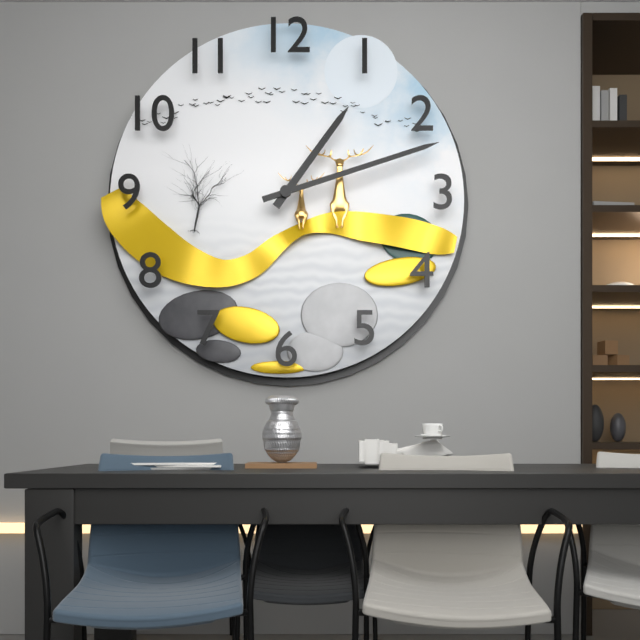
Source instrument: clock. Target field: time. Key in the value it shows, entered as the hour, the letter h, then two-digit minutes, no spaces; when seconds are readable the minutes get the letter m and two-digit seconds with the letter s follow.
1h12
